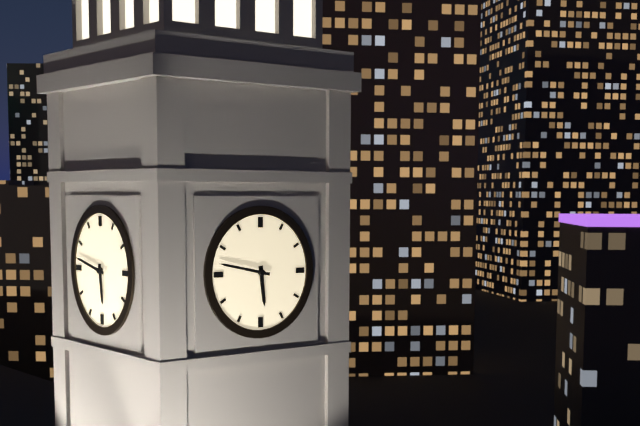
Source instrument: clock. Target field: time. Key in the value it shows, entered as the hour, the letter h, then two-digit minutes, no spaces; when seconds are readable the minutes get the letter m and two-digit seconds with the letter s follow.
5h47
